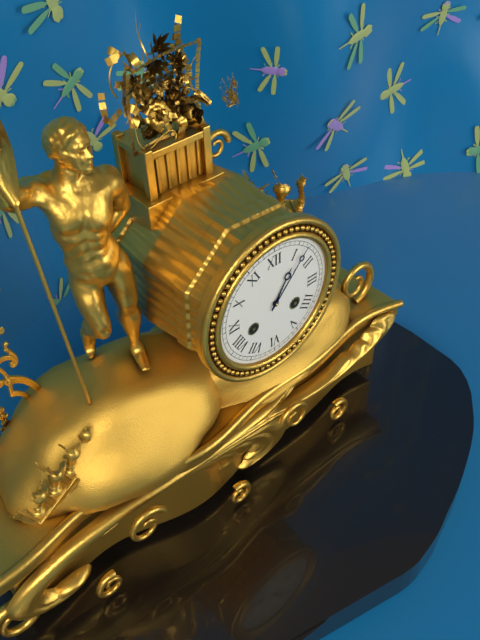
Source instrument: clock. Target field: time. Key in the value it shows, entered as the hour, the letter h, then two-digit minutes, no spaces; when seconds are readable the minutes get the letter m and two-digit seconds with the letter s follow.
1h07
